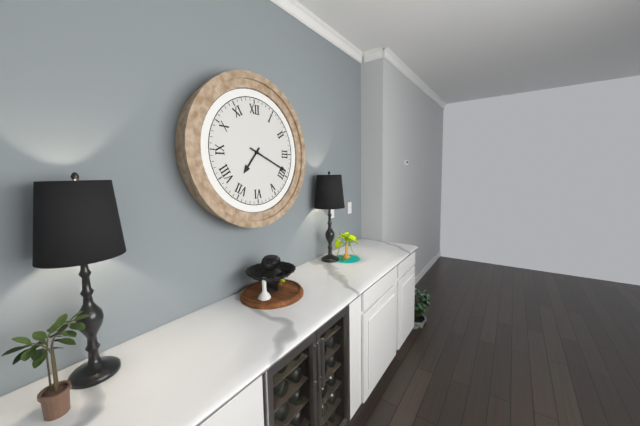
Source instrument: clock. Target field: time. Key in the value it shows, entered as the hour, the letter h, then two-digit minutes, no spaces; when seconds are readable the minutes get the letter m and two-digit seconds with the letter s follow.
7h19
